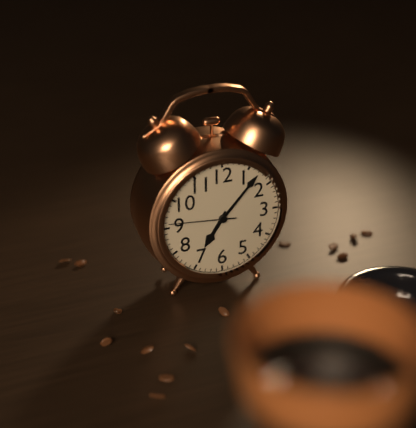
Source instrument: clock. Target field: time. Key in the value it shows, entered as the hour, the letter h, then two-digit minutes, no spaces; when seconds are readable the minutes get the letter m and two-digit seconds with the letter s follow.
7h07m46s
